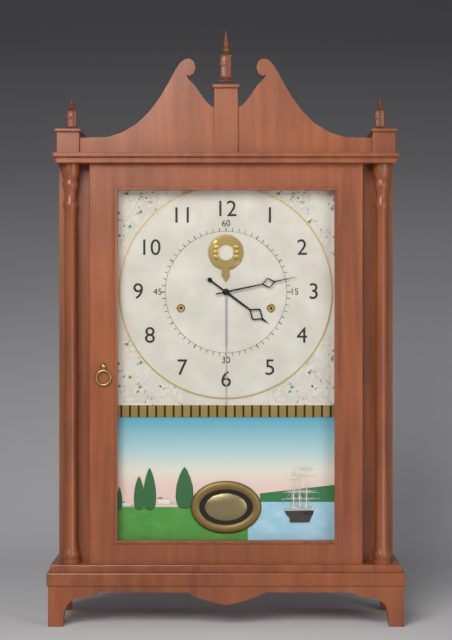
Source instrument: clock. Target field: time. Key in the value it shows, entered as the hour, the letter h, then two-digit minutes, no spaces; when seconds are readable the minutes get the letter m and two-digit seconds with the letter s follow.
4h13
